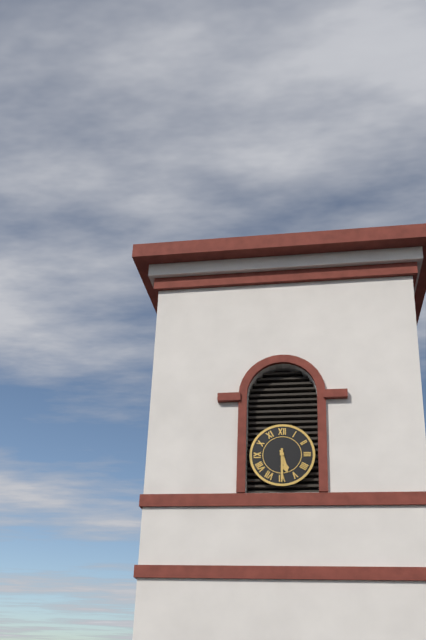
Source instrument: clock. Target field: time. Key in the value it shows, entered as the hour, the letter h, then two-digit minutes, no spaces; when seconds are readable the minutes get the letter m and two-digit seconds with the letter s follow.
5h30
